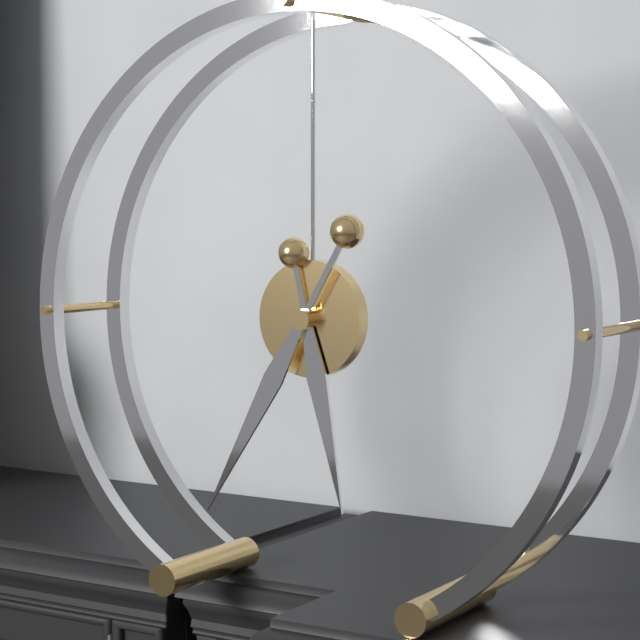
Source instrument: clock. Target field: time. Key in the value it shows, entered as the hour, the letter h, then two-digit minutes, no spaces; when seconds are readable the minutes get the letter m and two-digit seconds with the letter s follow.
5h35
